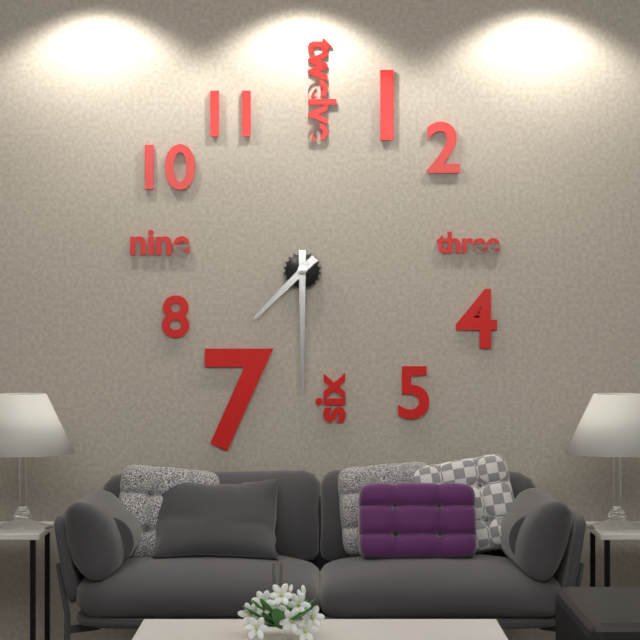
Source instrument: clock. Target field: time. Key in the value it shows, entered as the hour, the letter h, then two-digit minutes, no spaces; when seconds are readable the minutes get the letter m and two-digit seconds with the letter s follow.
7h30
